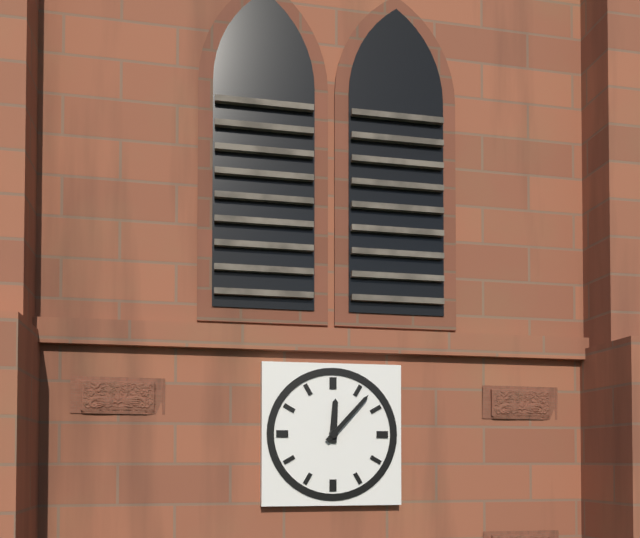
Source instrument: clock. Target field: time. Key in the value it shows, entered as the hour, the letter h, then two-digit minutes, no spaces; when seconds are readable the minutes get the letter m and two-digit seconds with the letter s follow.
12h07
